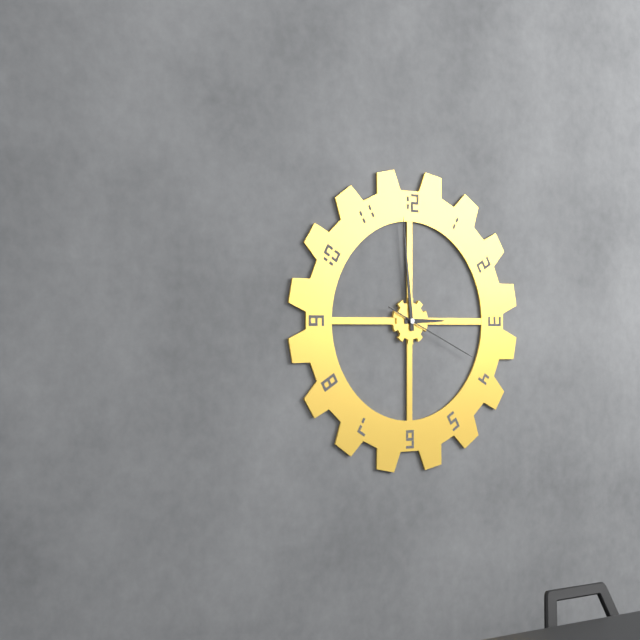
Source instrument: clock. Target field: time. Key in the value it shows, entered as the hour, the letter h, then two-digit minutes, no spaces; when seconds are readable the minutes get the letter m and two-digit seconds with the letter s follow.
2h59m19s
